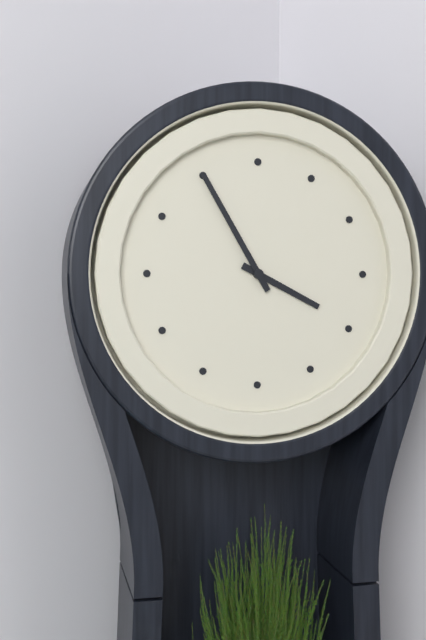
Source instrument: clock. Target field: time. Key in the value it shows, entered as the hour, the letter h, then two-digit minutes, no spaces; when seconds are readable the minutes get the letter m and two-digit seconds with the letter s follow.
3h55
